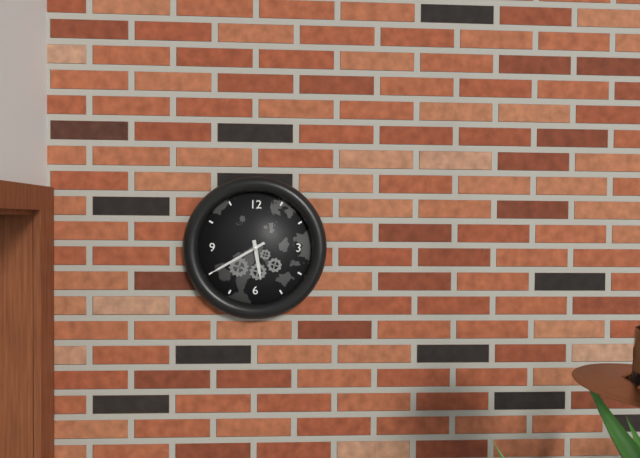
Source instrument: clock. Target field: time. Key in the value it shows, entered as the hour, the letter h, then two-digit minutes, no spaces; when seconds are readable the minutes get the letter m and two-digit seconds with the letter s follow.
5h40
